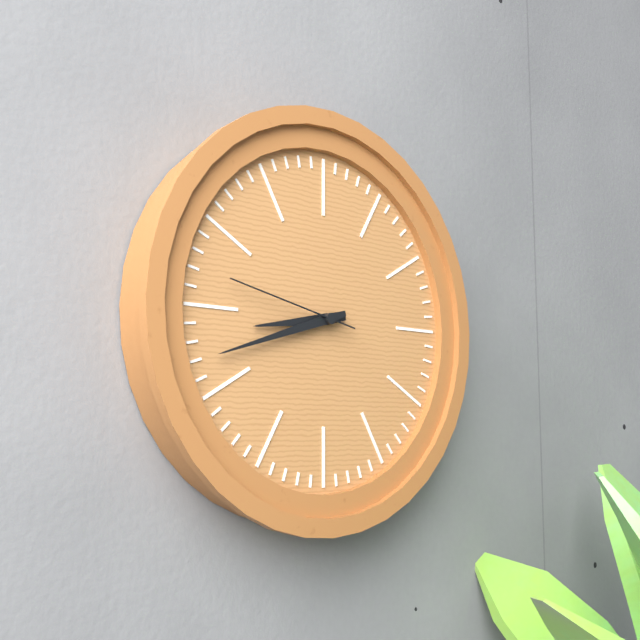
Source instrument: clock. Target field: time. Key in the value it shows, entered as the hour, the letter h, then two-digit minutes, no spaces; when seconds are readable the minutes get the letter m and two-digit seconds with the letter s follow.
8h42m47s
